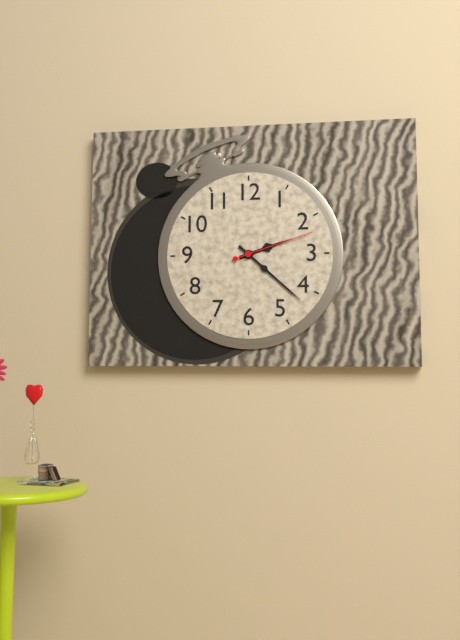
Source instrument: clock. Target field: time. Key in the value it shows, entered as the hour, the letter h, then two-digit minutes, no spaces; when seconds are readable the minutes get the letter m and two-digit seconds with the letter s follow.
2h22m12s
